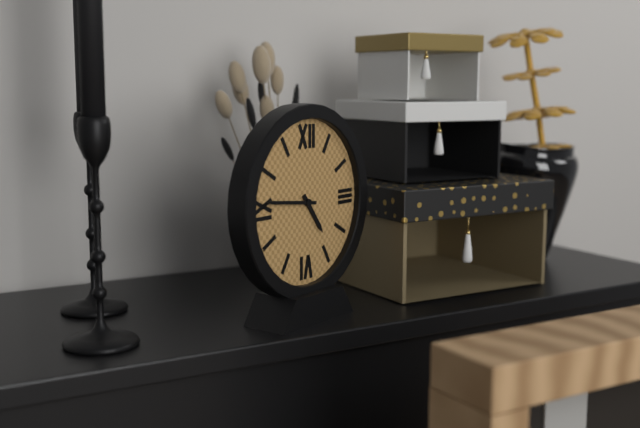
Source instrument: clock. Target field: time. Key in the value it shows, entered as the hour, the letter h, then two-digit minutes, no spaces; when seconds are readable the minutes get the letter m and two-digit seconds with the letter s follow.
4h46
